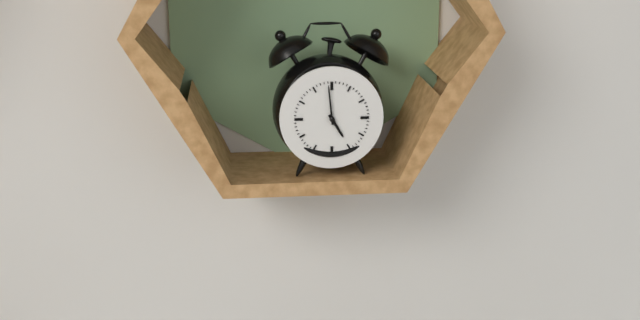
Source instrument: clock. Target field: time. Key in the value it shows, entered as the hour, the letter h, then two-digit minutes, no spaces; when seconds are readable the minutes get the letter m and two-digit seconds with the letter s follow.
4h59
